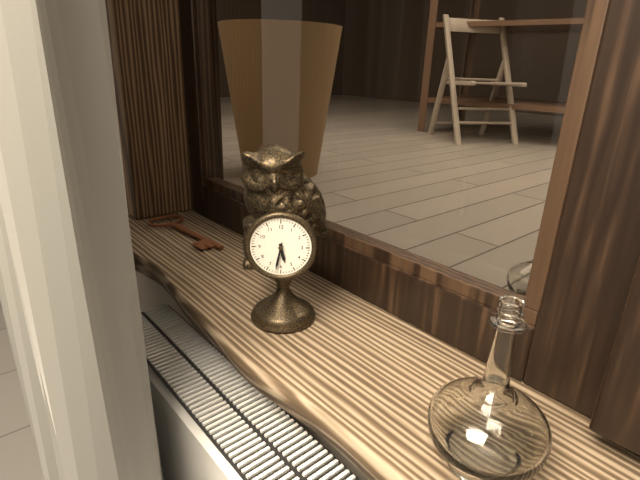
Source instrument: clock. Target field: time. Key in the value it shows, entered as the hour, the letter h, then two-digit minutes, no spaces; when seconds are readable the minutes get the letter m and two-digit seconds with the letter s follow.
5h32
